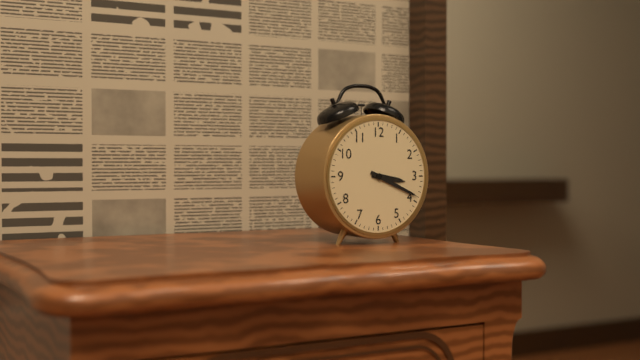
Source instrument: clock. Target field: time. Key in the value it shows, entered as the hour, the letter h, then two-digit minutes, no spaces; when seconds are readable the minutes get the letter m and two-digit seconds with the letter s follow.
3h19
